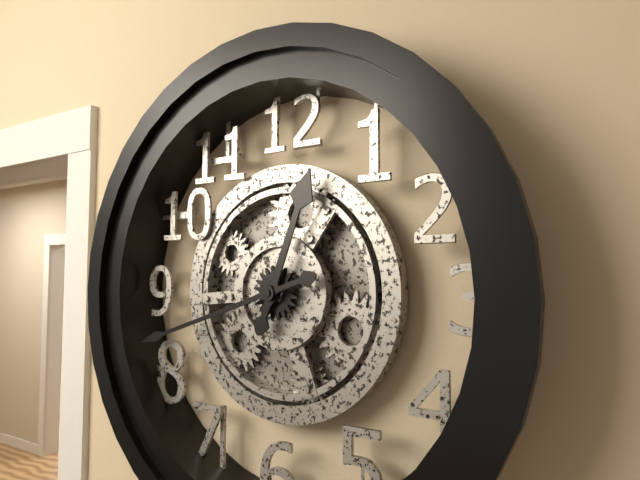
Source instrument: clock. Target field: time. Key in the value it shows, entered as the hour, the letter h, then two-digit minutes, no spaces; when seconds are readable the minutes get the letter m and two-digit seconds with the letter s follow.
12h42
